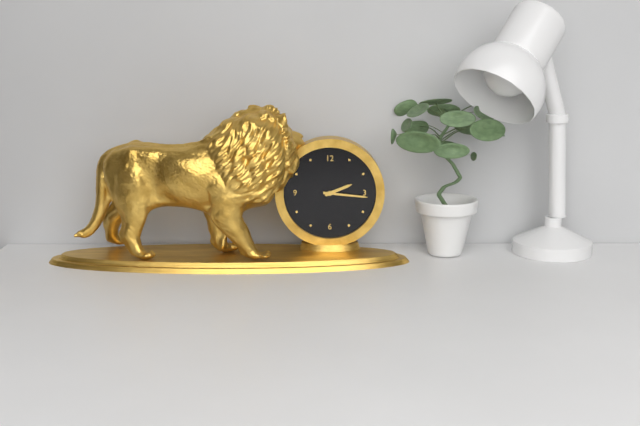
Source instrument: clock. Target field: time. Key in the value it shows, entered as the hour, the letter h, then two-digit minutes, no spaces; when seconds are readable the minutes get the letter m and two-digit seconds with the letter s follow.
2h16
